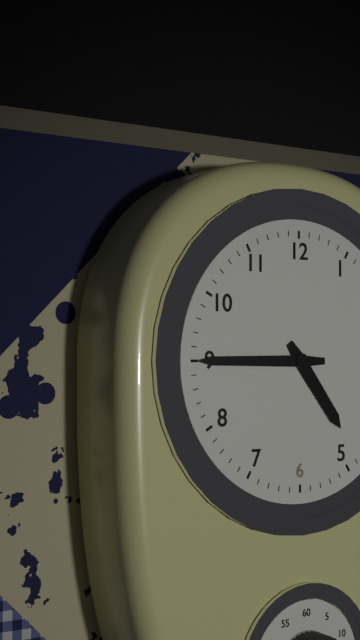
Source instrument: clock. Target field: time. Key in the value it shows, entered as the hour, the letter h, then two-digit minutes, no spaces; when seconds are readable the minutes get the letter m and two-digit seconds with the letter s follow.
4h45
